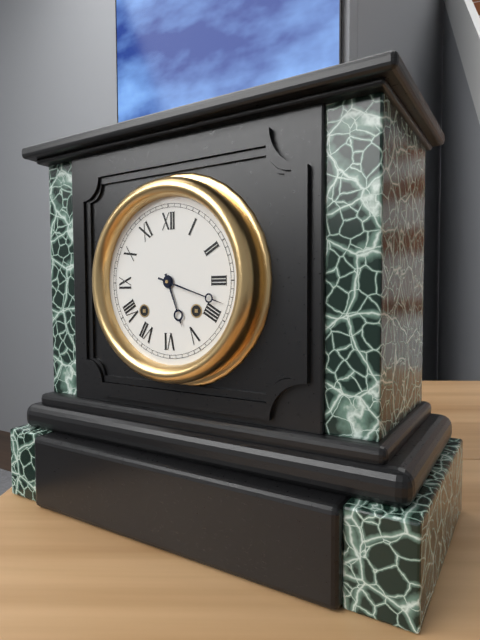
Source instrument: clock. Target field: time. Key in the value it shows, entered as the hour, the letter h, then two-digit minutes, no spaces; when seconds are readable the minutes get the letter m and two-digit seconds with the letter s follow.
5h18
